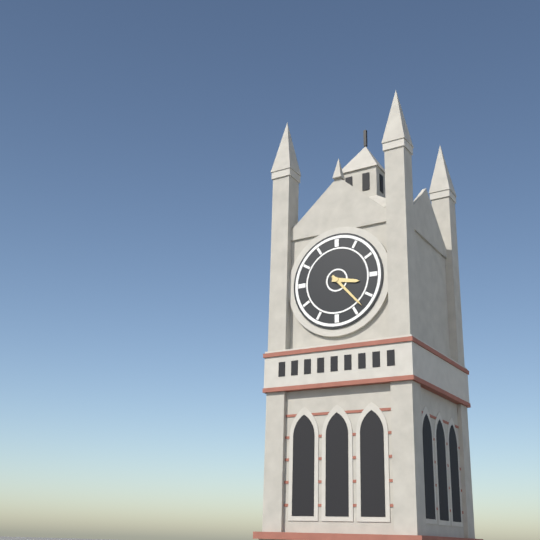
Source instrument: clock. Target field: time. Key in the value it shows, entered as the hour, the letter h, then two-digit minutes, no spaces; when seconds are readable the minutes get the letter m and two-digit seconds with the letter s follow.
3h23
